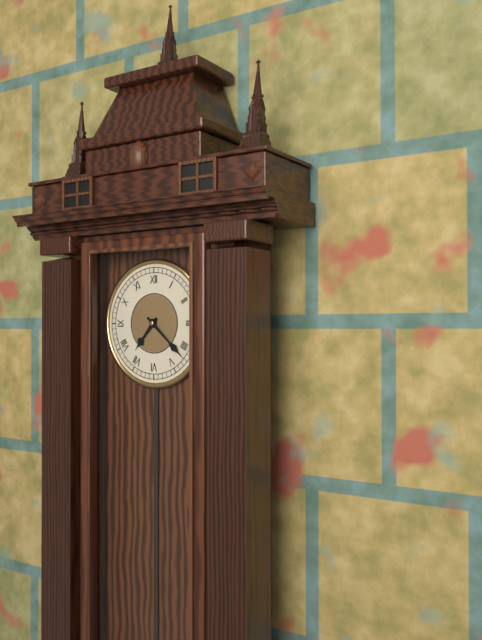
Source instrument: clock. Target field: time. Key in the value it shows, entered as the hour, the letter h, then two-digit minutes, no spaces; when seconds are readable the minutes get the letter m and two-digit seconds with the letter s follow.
7h22
